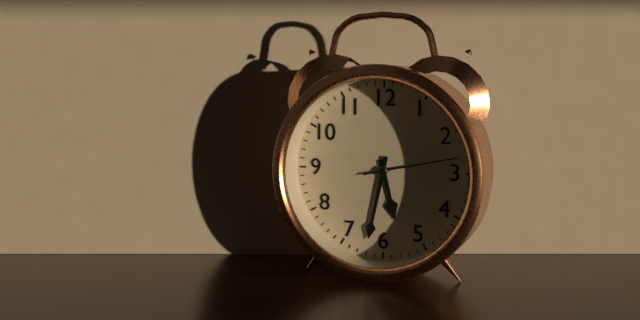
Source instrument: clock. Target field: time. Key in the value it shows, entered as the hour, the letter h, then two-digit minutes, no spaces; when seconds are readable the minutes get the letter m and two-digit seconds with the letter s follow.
5h32m13s
